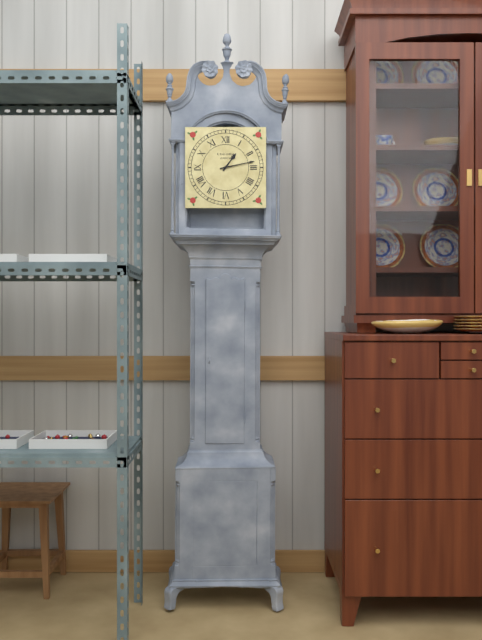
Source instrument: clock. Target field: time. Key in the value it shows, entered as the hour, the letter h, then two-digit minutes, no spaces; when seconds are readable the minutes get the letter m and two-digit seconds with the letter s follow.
1h13
